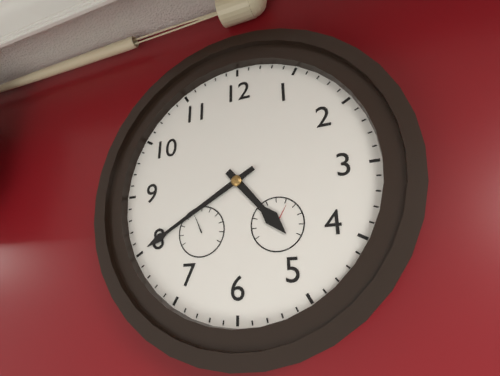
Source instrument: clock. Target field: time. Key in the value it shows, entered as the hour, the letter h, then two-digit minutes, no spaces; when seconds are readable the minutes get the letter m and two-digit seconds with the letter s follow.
4h40
